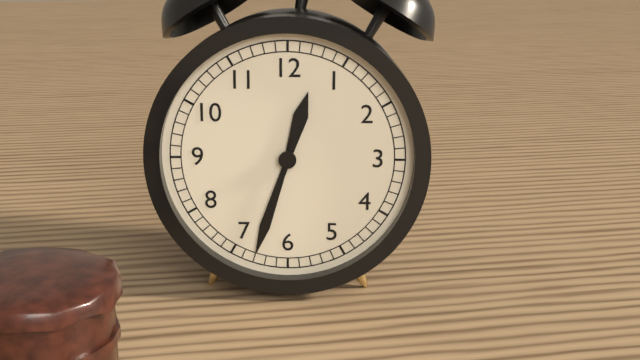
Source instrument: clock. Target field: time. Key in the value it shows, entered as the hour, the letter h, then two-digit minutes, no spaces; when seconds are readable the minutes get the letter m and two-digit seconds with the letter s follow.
12h33
